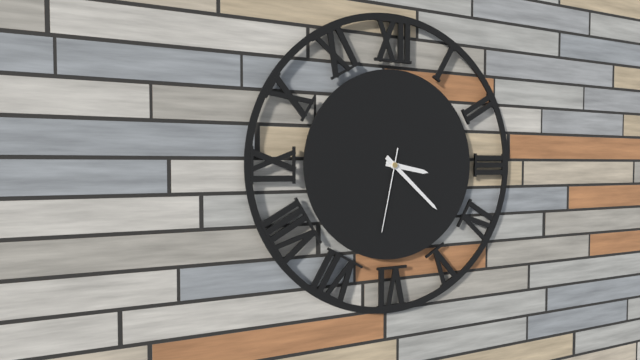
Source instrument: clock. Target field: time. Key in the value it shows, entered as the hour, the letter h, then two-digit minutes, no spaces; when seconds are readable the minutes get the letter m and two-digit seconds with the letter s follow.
3h22m32s
